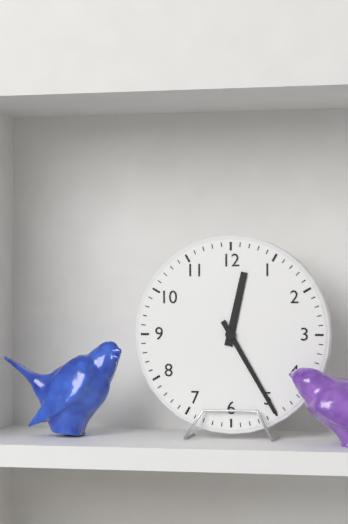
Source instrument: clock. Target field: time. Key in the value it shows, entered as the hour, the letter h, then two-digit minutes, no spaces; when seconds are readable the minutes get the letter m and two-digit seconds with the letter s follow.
12h25
